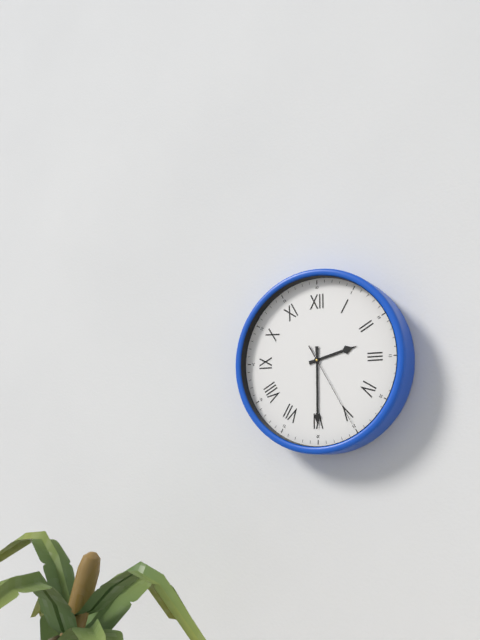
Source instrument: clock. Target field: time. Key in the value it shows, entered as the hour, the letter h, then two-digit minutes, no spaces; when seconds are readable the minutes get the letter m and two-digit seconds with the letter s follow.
2h30m25s
